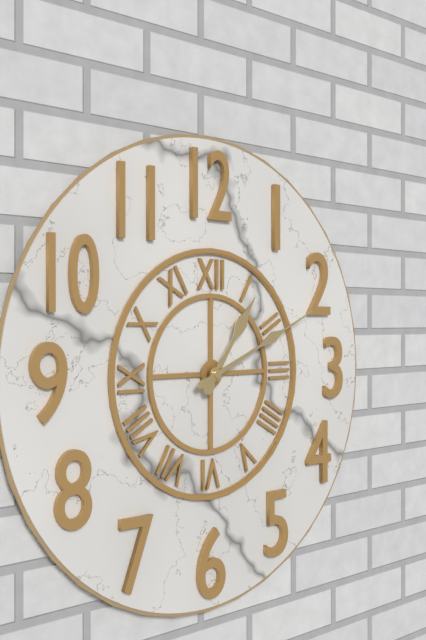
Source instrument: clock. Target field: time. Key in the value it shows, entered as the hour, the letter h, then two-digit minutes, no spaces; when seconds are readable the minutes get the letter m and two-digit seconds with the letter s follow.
1h11
